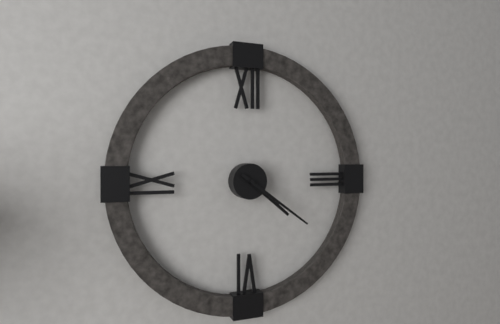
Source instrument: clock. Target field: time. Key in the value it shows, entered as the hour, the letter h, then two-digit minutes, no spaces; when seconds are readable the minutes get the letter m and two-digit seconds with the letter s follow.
4h21
